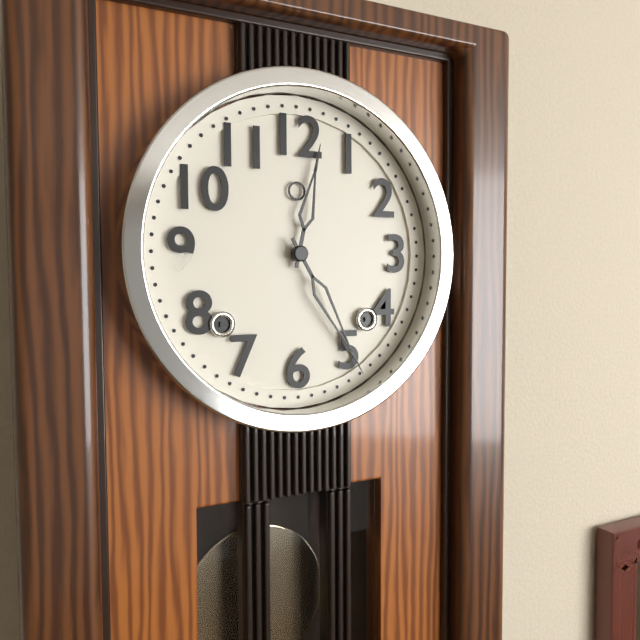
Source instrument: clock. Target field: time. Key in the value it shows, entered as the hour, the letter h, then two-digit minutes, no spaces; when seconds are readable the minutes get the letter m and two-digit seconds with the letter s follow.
12h25
